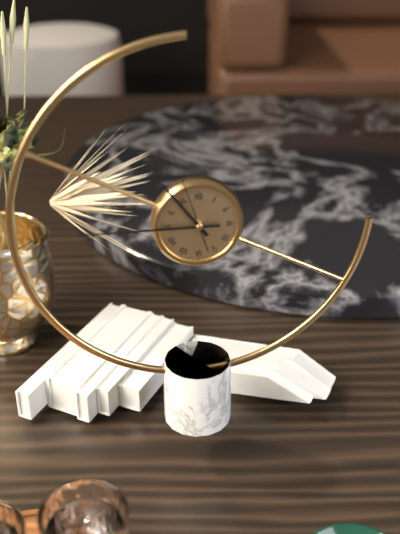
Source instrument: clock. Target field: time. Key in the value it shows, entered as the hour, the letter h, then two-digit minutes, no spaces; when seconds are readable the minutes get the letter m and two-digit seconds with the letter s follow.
10h45m57s
